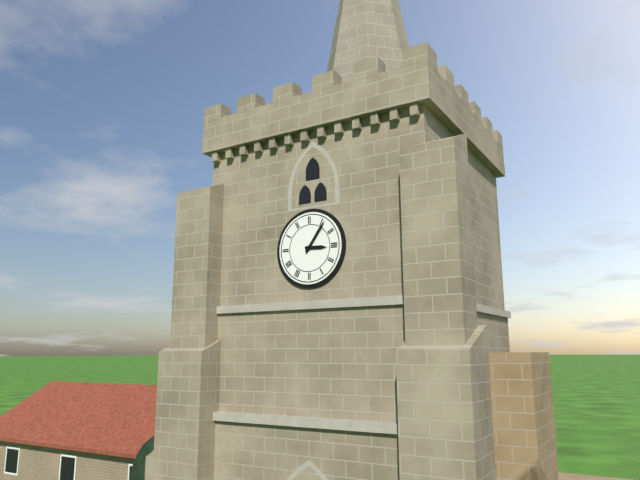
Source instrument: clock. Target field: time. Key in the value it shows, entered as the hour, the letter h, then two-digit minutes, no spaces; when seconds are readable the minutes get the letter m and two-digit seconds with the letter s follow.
3h06
